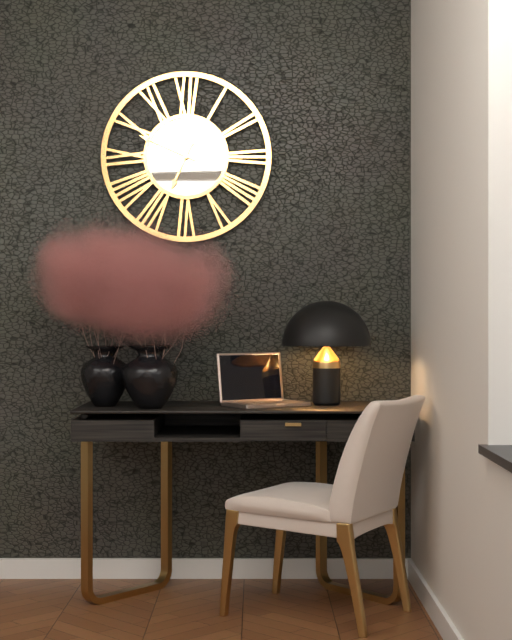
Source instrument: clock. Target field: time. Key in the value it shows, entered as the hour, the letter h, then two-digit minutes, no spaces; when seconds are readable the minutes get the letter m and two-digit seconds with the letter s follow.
6h49
